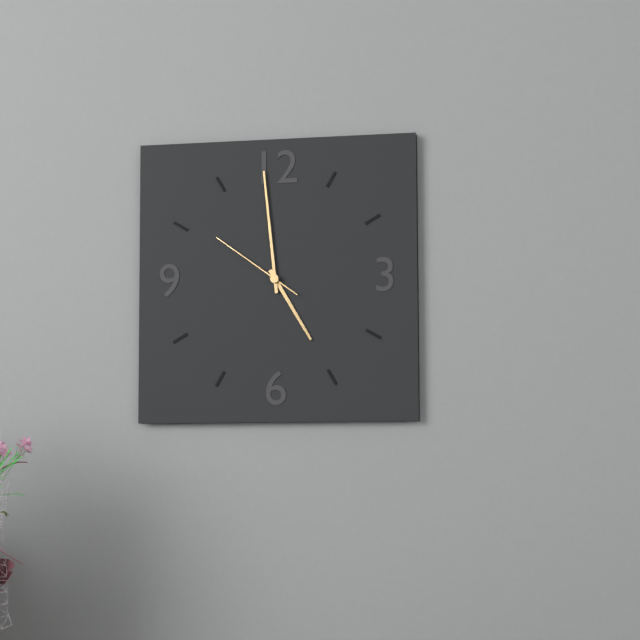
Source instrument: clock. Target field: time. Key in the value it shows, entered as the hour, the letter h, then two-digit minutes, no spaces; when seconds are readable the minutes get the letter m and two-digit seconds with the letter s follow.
4h59m51s
